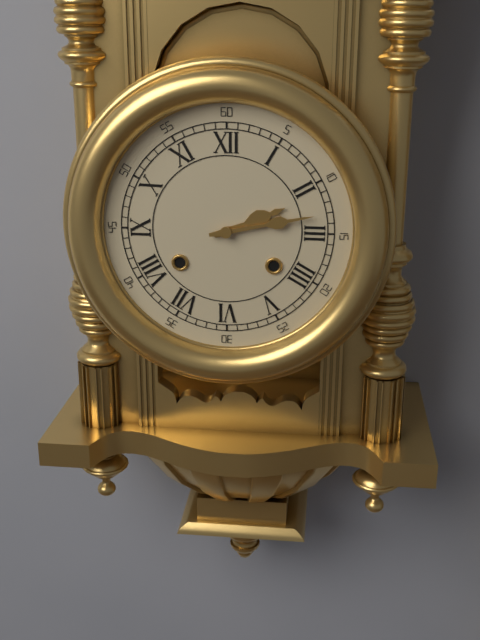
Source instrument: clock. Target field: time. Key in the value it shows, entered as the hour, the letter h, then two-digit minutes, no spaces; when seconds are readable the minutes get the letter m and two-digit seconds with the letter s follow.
2h13
